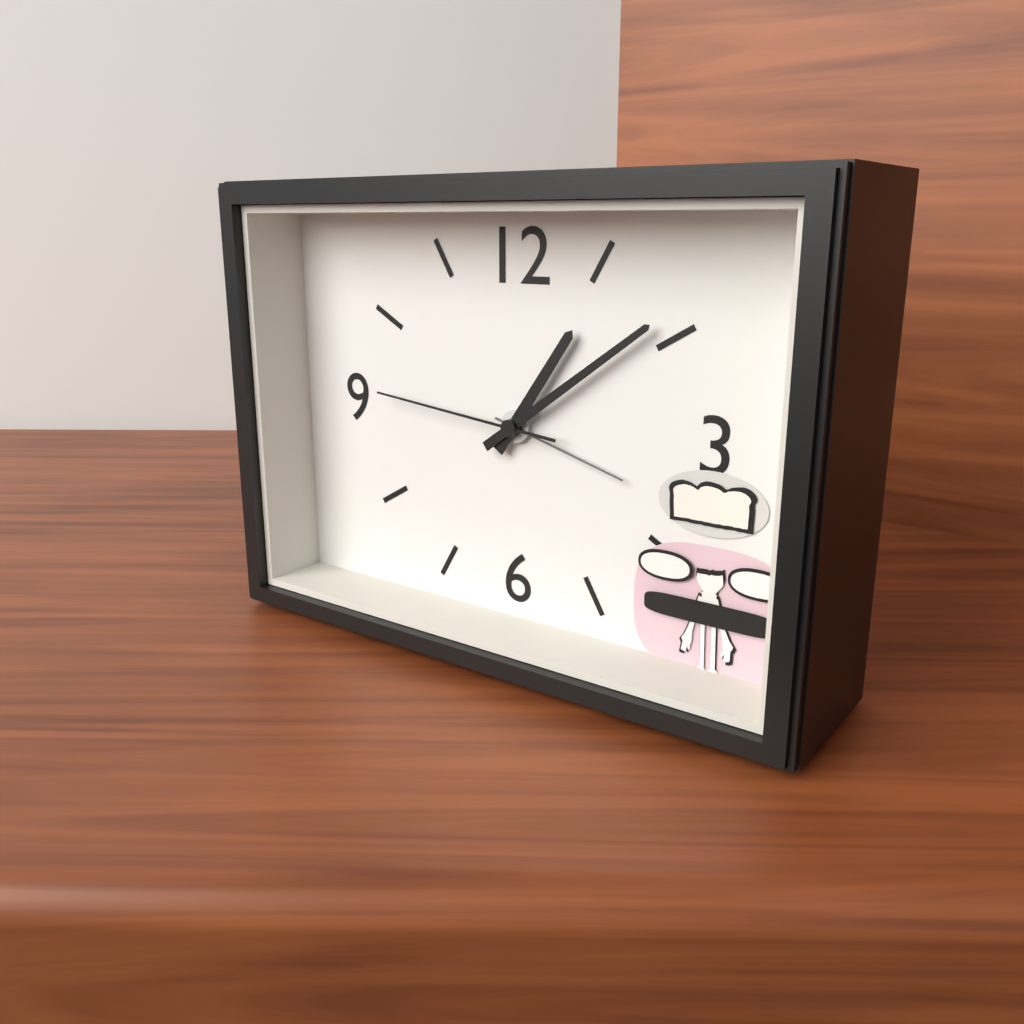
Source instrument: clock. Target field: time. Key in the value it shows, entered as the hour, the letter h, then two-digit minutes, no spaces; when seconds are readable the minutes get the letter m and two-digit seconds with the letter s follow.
1h09m46s
